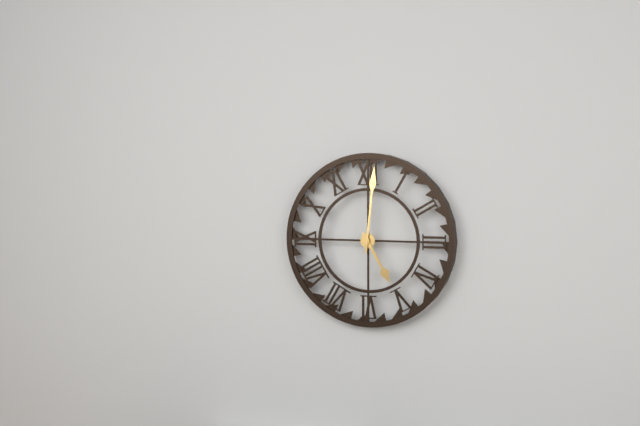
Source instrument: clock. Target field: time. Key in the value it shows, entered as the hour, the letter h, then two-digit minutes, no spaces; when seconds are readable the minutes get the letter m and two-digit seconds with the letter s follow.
5h01
